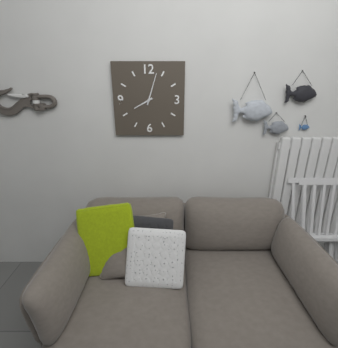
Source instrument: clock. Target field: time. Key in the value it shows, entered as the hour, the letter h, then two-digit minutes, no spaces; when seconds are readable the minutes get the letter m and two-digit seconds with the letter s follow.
8h03
